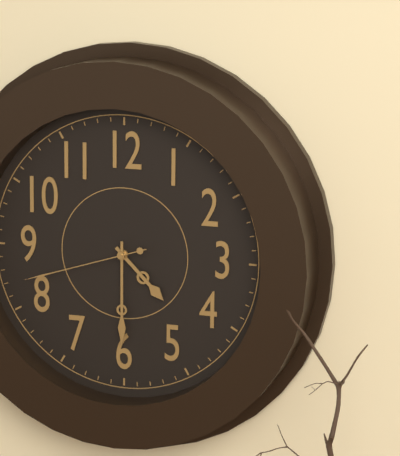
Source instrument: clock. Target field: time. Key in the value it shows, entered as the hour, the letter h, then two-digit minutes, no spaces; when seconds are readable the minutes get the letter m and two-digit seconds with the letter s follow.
4h30m42s
